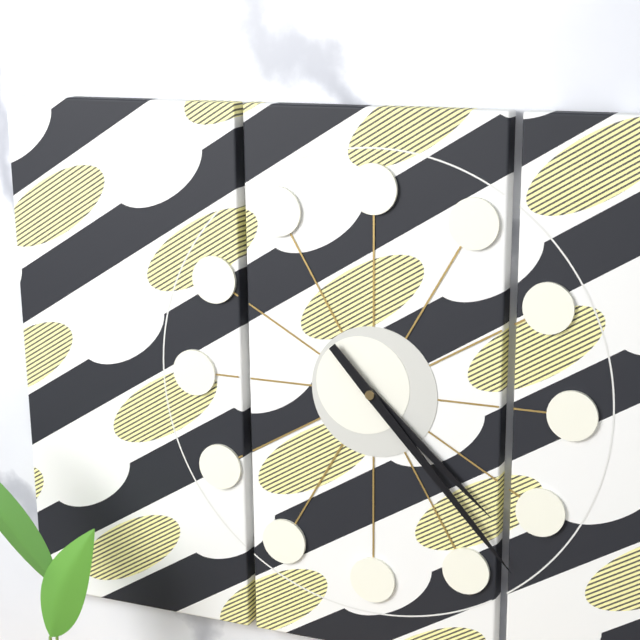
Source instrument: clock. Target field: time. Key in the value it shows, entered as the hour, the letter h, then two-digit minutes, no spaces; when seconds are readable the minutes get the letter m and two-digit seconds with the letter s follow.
4h23
